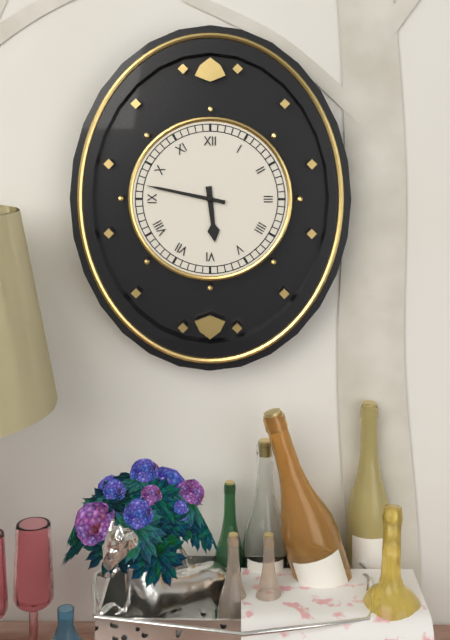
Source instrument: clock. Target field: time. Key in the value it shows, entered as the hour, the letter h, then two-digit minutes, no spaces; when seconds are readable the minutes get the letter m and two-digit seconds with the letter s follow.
5h47
